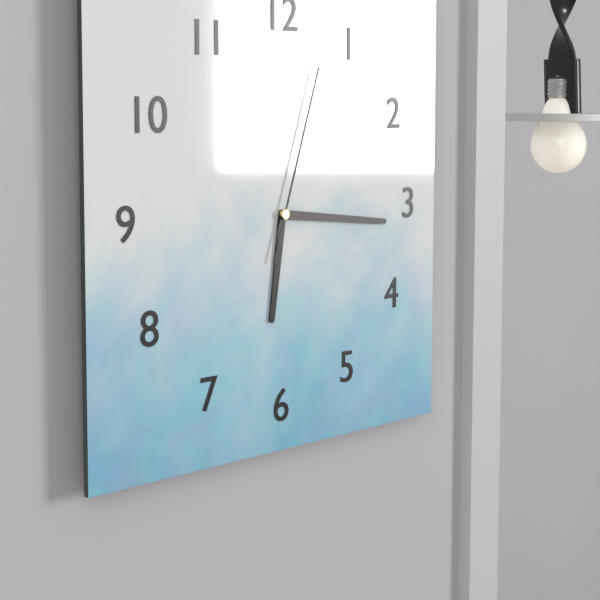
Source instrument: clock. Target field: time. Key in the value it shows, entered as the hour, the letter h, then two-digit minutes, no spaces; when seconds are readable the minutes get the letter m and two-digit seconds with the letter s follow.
6h16m03s
